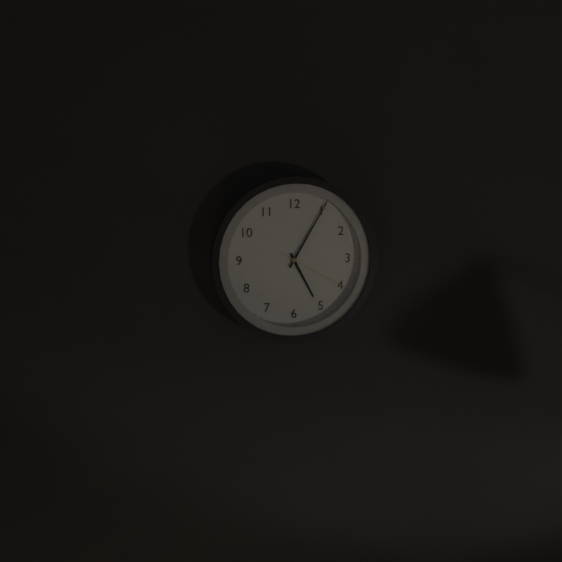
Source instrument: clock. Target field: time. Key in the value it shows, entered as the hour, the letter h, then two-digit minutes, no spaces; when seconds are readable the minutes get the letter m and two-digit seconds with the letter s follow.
5h05m20s
